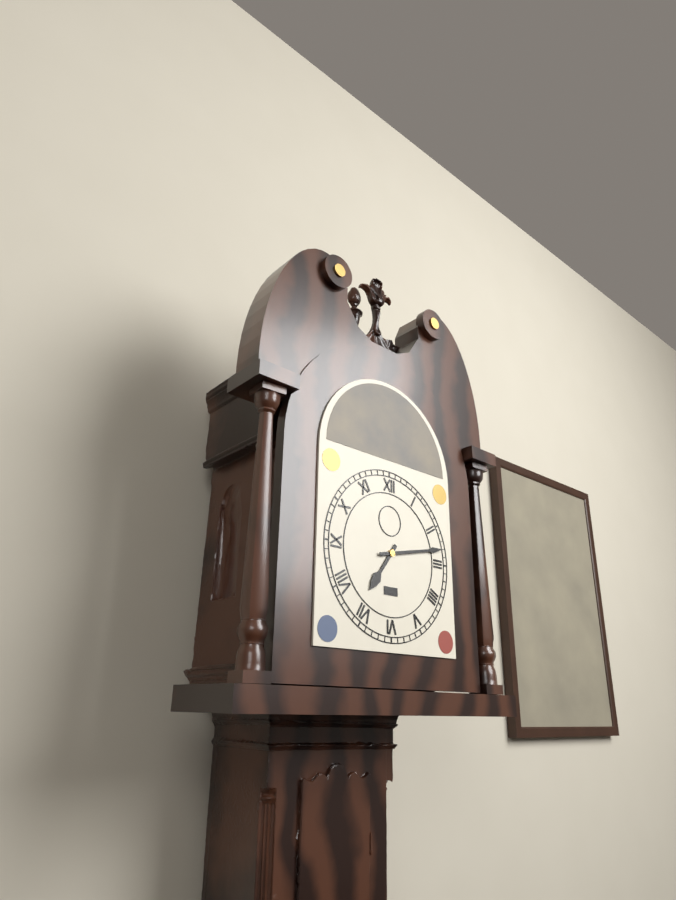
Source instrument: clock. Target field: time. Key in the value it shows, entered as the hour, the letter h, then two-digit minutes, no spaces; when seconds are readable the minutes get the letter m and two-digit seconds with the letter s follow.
7h13
